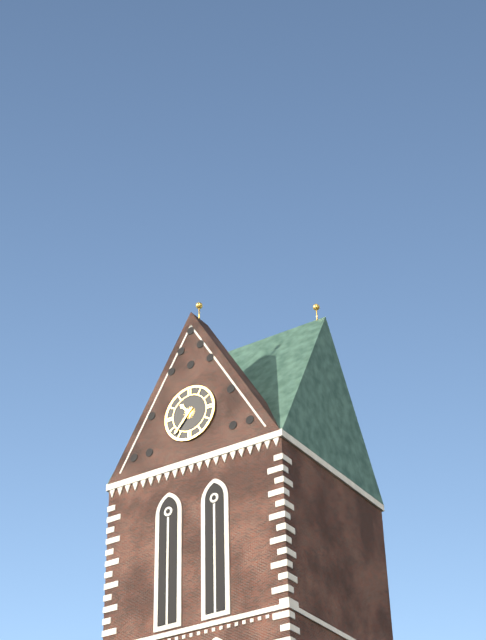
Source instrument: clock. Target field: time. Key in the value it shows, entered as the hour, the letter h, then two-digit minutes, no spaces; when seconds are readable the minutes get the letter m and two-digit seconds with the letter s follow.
10h37
